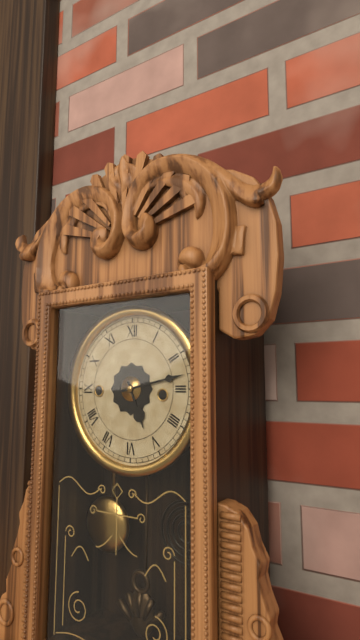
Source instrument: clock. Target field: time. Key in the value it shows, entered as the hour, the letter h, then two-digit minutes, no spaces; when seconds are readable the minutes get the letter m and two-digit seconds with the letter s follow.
5h13
